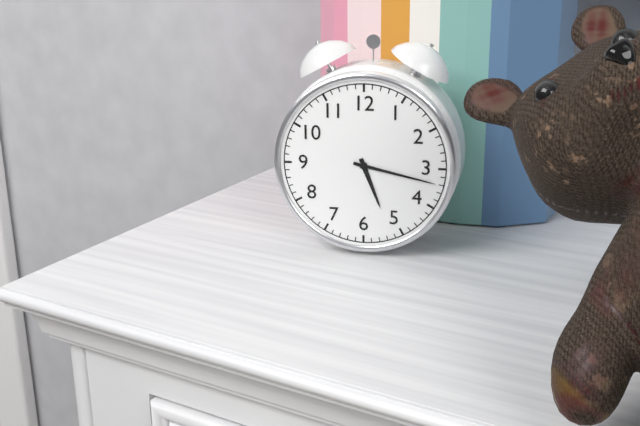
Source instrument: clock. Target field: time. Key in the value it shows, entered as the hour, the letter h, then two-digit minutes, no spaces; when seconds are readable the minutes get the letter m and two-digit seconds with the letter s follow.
5h17
